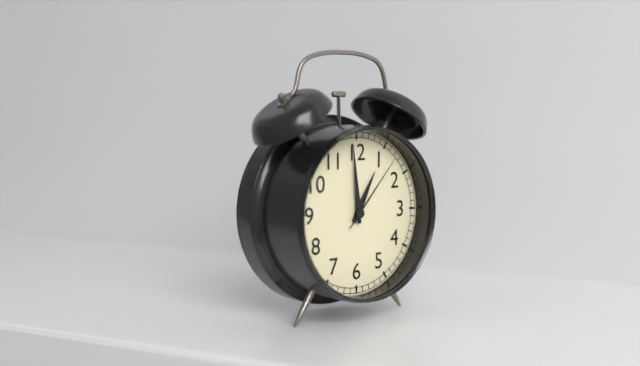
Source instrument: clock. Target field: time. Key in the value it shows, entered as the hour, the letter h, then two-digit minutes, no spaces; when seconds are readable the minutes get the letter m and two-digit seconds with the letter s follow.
12h59m07s
